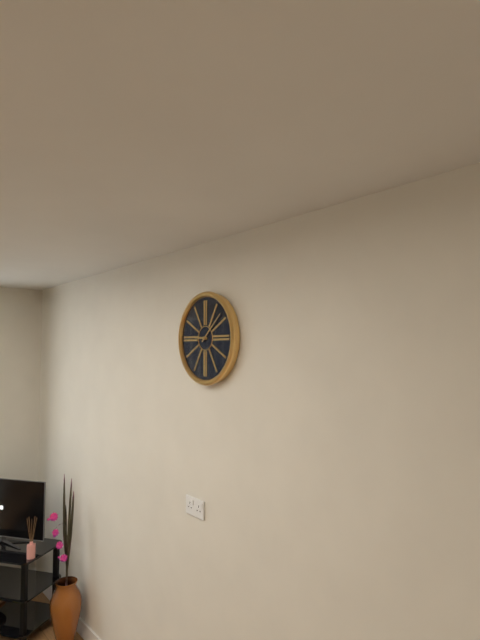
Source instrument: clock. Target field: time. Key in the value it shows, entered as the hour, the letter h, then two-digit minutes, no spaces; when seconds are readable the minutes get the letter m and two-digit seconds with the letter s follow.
9h08
